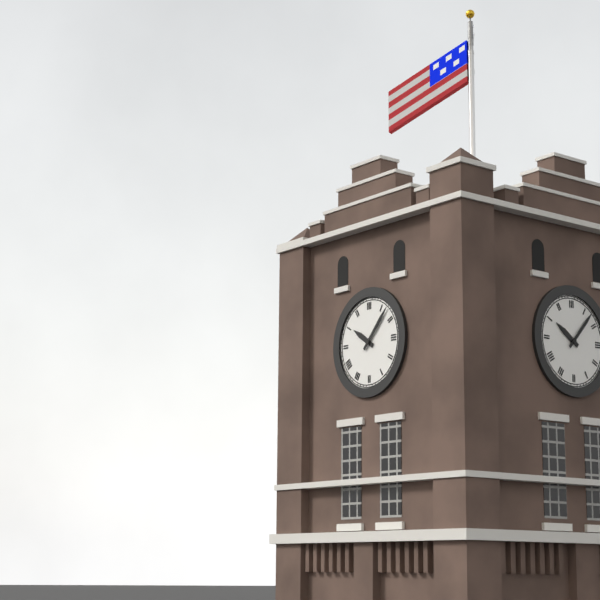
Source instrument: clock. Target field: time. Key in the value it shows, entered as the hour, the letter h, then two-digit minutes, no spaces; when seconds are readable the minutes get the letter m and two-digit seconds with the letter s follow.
10h07
